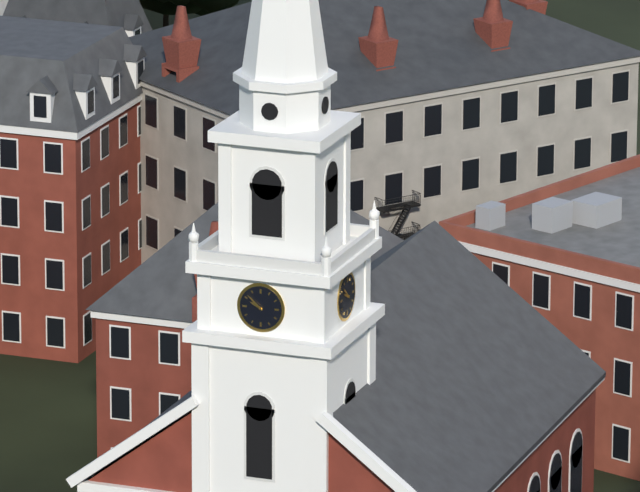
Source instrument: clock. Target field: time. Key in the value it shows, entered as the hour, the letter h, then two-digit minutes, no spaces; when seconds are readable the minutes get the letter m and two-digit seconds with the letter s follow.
9h52
